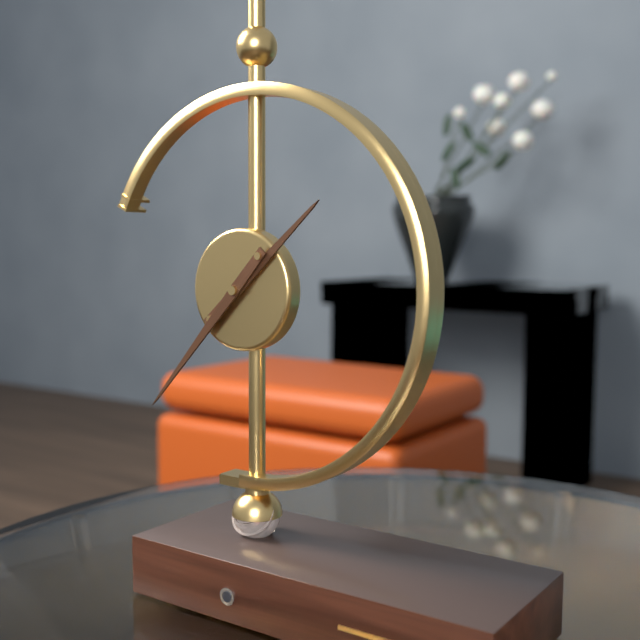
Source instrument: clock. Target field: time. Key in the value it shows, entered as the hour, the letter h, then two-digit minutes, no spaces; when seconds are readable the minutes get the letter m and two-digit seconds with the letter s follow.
1h37
